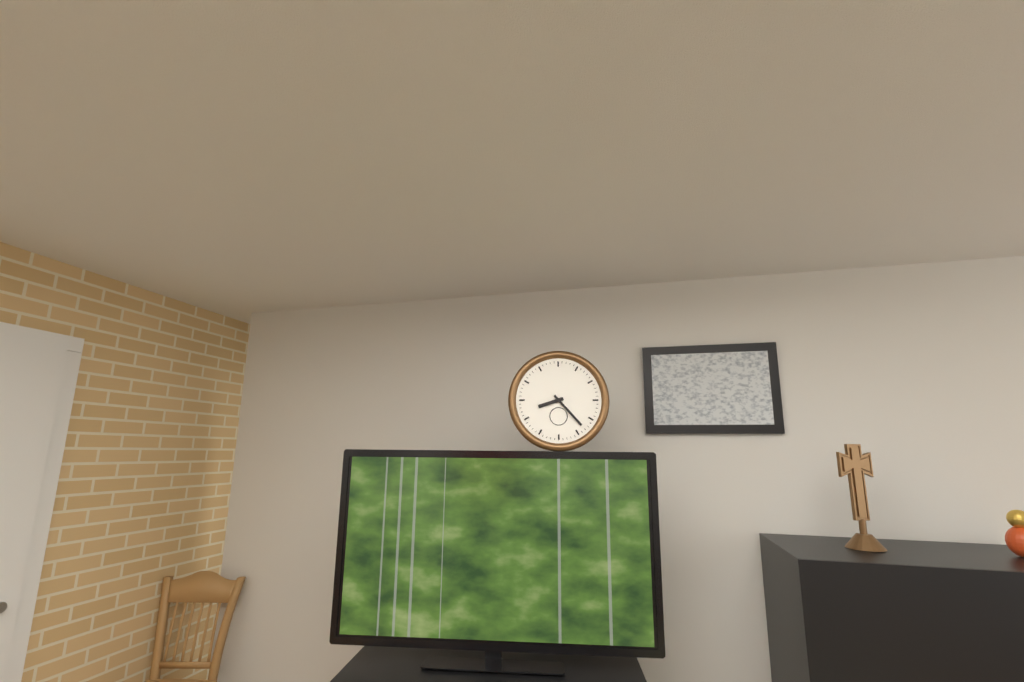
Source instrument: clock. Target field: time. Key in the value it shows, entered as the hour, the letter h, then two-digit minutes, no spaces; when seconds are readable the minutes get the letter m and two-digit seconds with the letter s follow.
8h23
